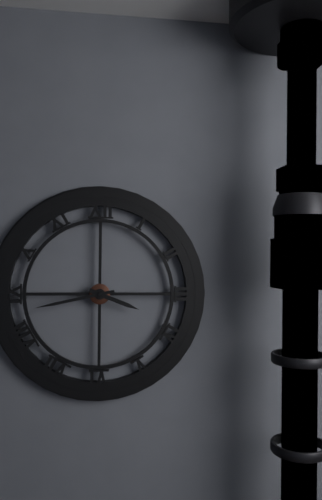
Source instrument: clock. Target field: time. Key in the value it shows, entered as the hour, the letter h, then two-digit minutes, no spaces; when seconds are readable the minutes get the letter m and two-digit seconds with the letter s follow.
3h43
